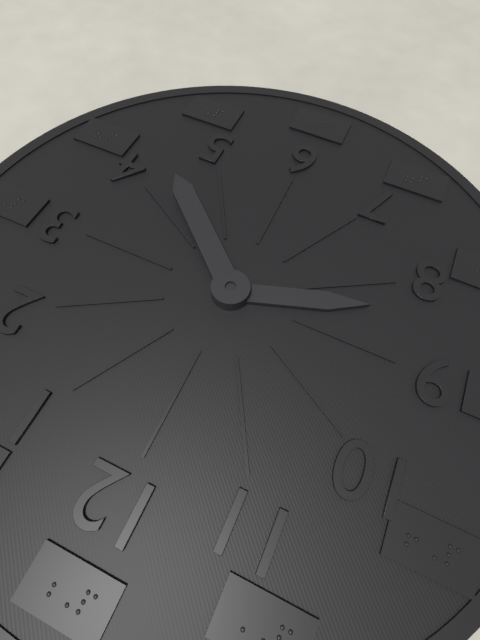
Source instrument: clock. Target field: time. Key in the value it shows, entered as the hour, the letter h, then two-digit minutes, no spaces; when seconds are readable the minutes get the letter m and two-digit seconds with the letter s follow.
8h22
